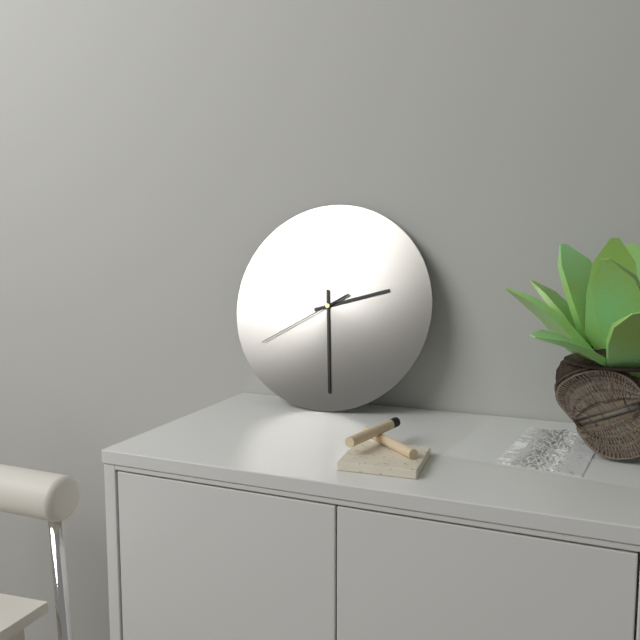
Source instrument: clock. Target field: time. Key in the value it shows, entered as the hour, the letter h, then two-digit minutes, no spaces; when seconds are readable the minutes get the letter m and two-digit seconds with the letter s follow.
2h29m40s
